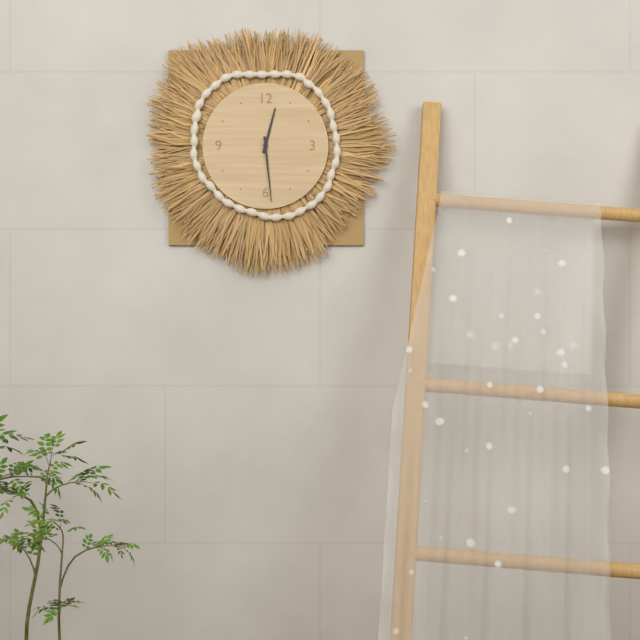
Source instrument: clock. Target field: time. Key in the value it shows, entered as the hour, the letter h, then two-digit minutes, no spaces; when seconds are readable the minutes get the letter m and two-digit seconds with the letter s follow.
12h29
